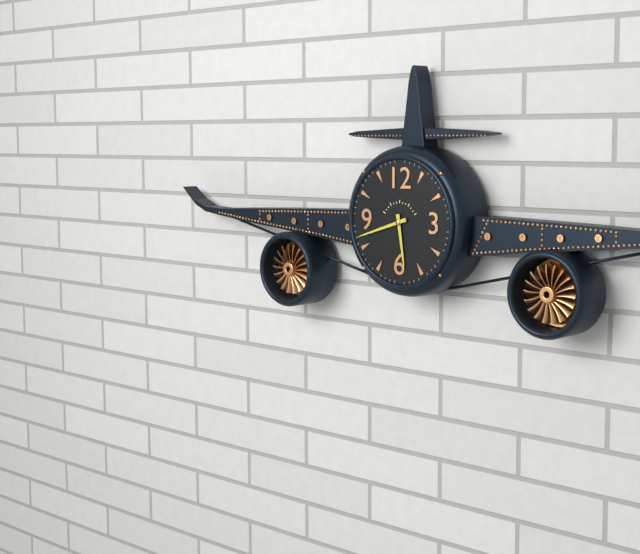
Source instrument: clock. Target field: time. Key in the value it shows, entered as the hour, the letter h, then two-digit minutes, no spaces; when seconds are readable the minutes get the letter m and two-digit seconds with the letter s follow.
5h42
